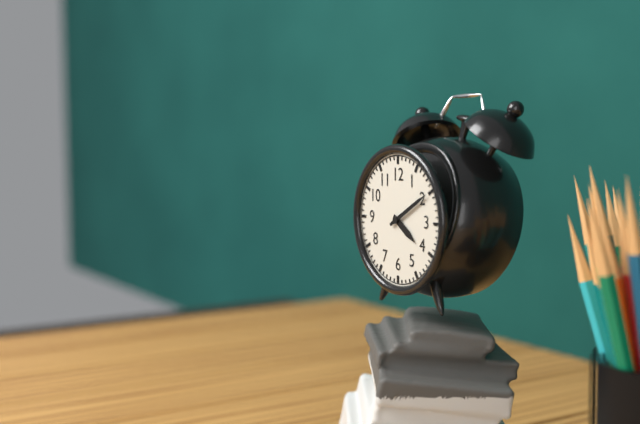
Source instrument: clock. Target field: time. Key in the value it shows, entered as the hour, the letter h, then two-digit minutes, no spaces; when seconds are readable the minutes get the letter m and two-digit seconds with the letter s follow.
4h10
